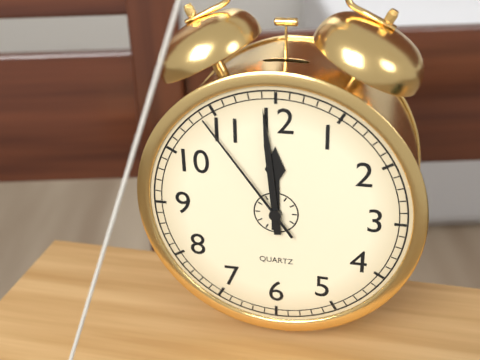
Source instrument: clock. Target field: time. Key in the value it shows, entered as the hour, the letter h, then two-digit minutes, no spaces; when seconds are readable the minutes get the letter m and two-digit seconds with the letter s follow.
11h59m54s
